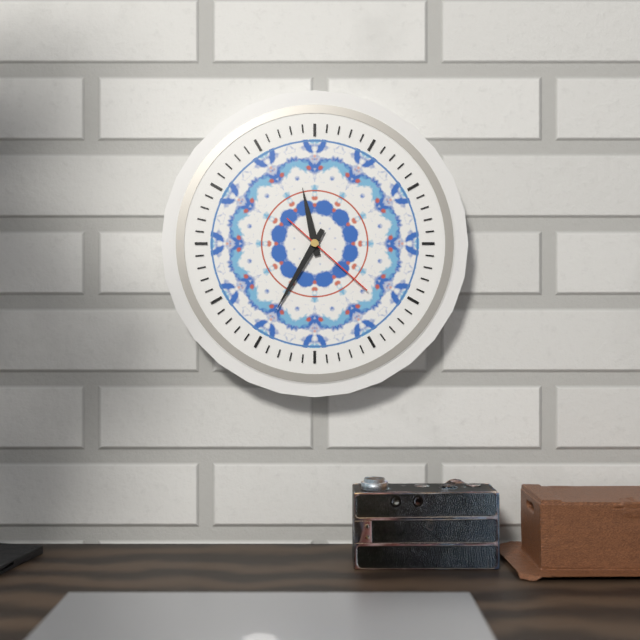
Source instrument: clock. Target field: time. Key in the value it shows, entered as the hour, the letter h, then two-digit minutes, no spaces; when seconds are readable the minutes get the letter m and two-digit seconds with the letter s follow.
11h35m22s
